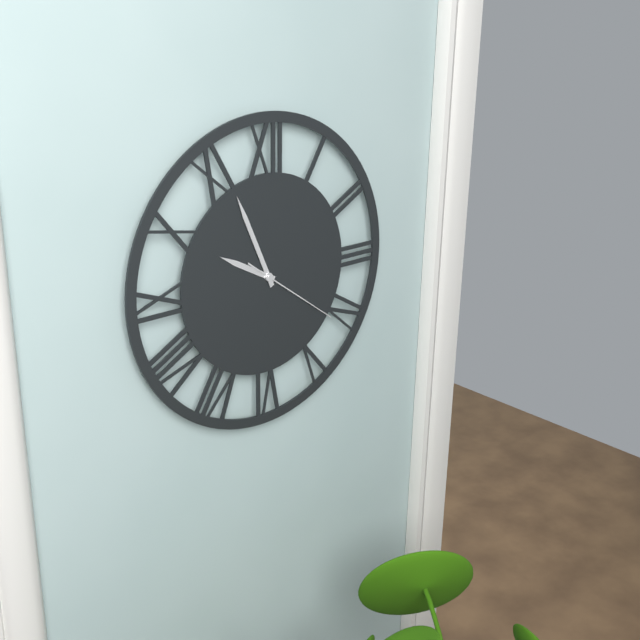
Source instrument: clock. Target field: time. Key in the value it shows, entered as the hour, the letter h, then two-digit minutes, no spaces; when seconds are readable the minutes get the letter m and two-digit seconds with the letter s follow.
9h56m21s
